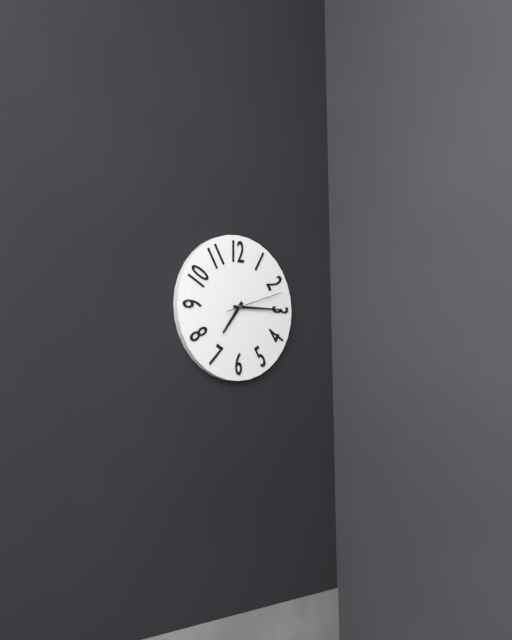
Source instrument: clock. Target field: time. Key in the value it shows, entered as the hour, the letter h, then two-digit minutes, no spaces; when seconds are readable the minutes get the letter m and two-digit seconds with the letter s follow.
7h15m12s
